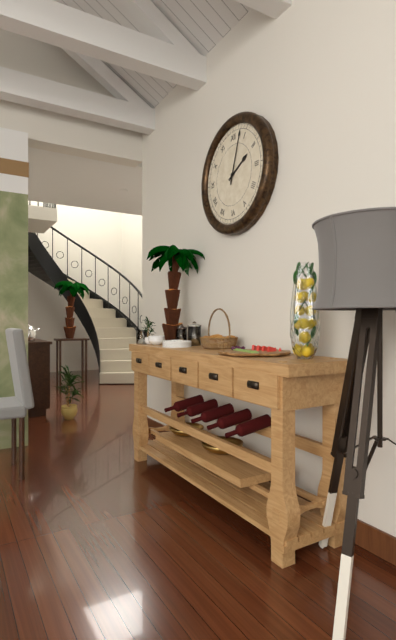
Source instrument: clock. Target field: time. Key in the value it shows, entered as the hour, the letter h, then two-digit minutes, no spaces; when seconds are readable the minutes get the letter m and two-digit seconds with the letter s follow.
2h03
